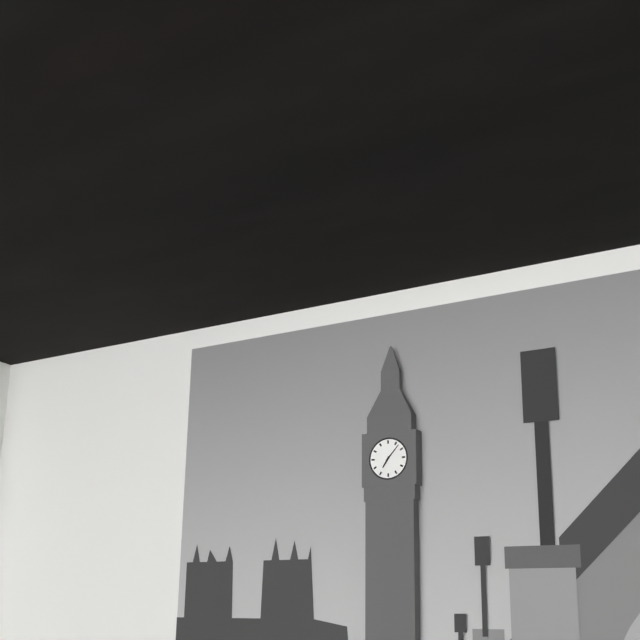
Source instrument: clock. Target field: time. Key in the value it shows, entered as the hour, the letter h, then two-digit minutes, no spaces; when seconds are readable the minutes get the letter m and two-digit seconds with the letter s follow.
7h07
